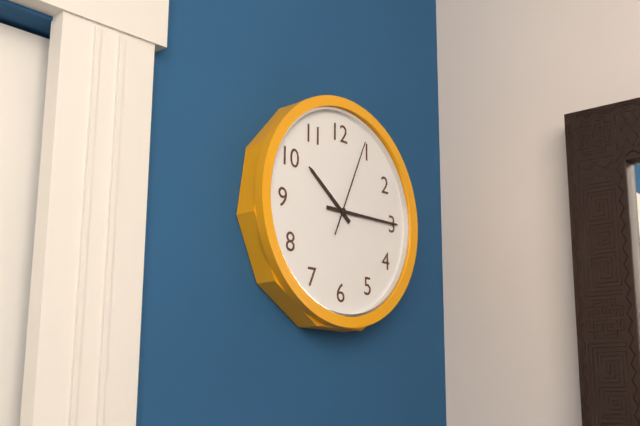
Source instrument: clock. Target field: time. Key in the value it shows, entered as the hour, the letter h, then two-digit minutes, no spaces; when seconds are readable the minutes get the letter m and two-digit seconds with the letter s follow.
10h15m04s
